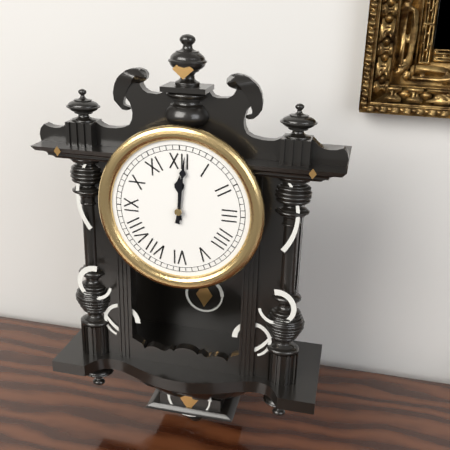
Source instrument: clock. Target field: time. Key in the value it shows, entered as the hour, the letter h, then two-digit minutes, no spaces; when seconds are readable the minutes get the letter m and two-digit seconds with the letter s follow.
12h01
